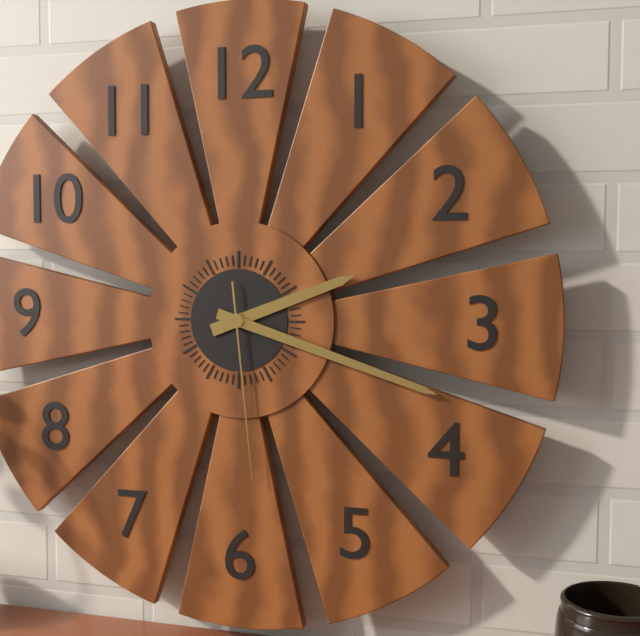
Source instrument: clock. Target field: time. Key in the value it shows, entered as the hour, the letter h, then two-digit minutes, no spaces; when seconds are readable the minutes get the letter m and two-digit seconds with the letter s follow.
2h18m29s
